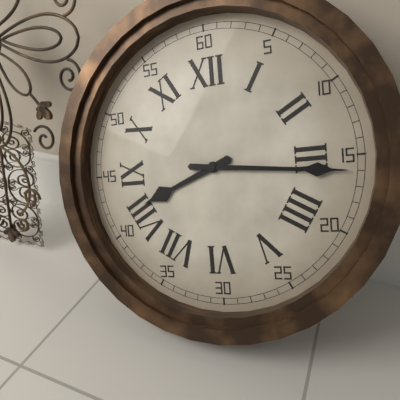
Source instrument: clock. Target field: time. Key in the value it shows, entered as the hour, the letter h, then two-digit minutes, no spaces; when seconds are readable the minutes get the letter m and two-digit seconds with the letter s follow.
8h16
